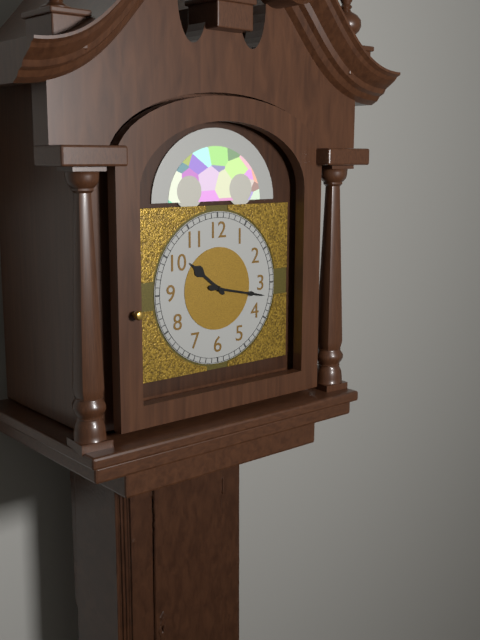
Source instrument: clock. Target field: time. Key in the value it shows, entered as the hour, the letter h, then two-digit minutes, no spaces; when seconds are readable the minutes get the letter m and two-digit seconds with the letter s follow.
10h17
